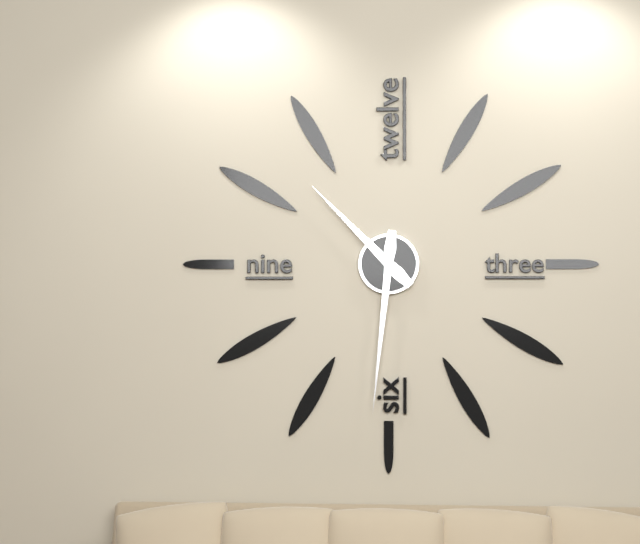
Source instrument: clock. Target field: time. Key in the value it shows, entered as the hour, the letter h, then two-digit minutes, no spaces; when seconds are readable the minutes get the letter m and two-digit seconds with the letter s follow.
10h31
